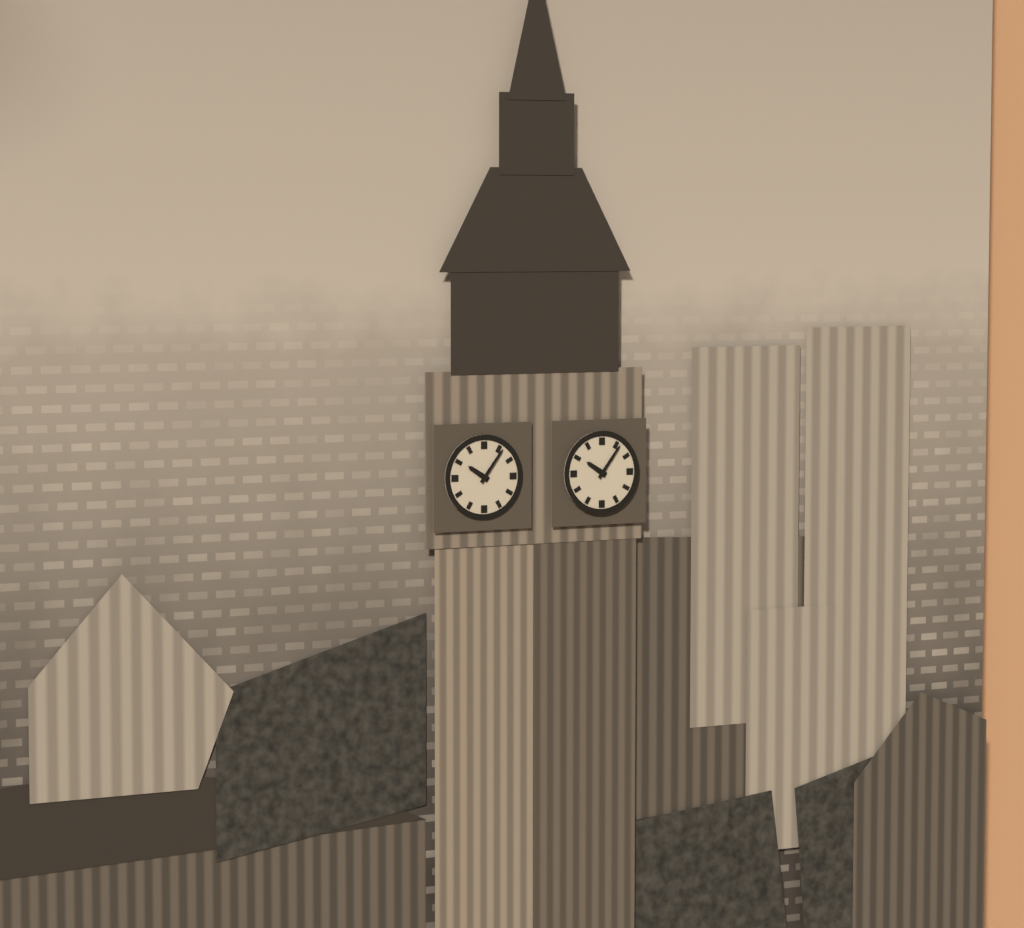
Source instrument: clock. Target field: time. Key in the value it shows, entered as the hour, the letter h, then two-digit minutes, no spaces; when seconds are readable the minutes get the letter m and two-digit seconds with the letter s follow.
10h06
